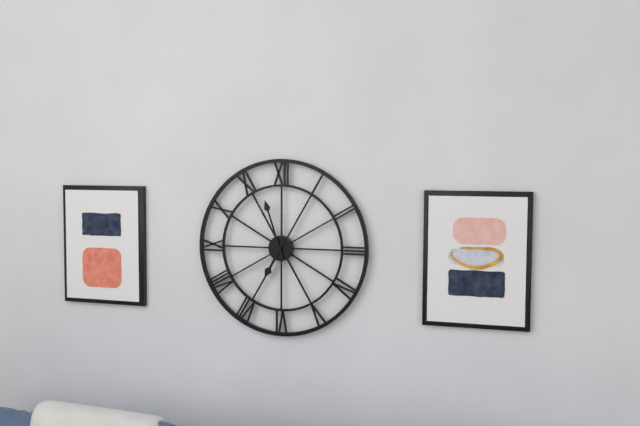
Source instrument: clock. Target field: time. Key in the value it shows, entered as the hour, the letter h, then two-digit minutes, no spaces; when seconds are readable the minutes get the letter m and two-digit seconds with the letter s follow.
6h57
